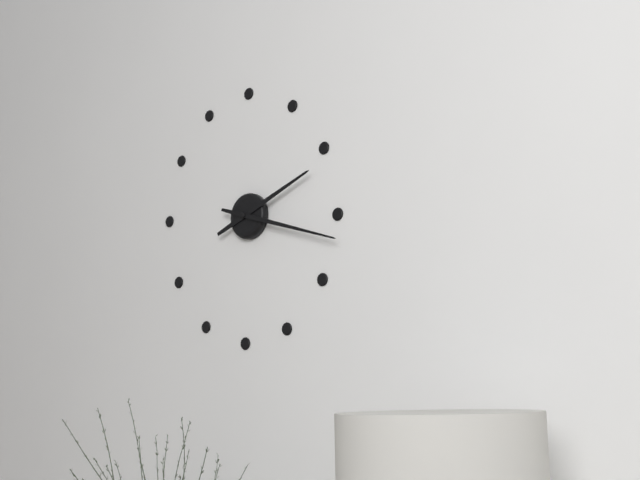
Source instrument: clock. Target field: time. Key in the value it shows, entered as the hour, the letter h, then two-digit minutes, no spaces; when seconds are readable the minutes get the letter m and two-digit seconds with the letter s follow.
2h18
